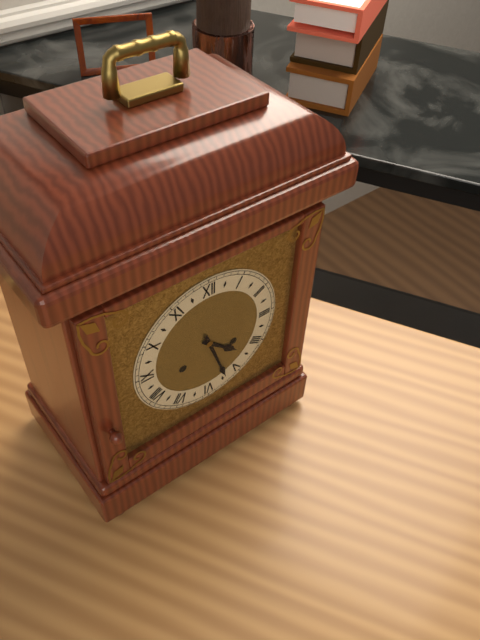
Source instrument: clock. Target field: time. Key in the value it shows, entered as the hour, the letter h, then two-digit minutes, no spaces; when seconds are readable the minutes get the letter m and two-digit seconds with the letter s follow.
4h27
